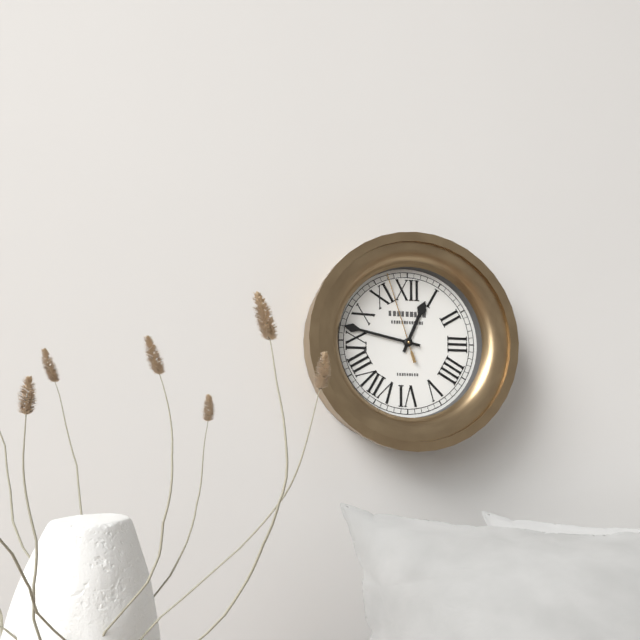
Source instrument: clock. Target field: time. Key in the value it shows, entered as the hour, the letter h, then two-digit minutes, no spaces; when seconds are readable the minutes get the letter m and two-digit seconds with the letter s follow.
12h47m57s
